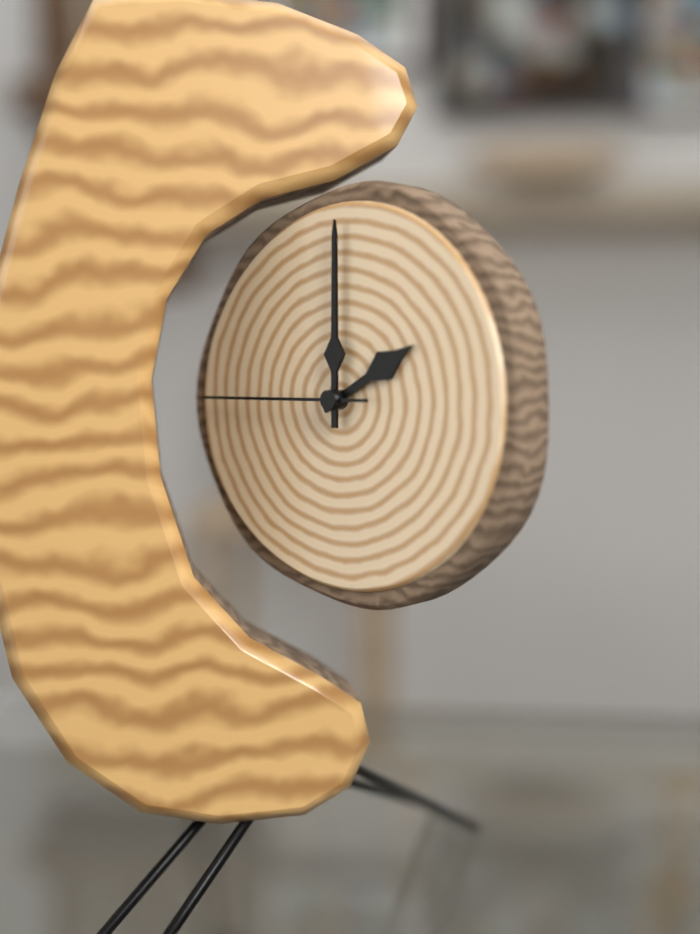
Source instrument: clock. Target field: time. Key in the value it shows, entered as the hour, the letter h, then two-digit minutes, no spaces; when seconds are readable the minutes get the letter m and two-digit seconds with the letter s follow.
2h00m45s
